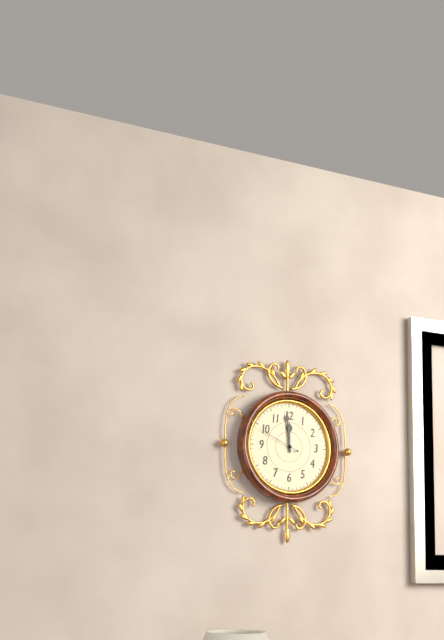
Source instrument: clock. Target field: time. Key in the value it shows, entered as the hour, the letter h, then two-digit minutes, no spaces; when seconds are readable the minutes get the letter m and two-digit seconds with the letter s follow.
11h59
